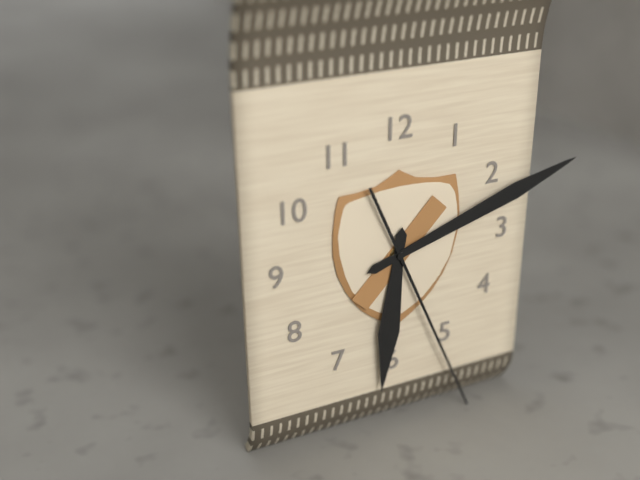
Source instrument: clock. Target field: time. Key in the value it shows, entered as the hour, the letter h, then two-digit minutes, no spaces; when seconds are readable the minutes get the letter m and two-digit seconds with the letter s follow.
6h12m26s
